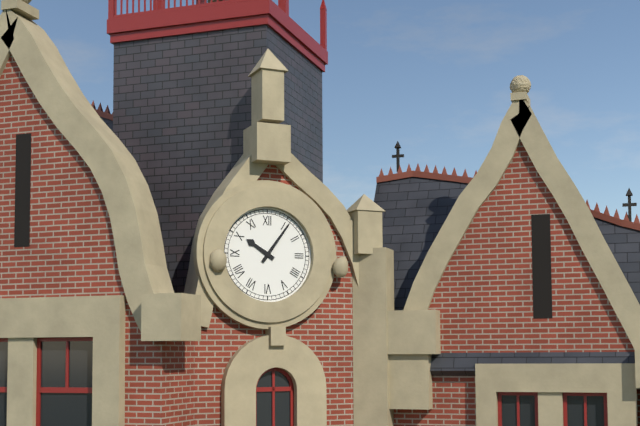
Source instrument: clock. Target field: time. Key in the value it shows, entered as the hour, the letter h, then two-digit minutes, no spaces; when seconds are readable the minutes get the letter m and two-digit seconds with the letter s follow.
10h06
